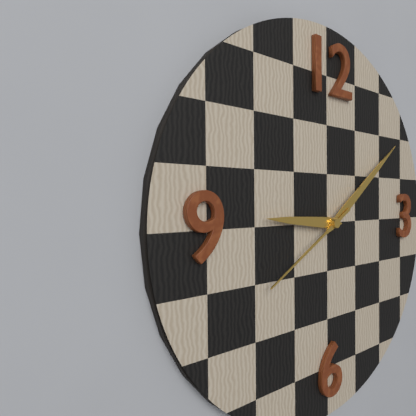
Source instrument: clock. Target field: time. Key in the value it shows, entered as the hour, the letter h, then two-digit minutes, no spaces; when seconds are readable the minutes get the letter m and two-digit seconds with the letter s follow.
9h09m40s
